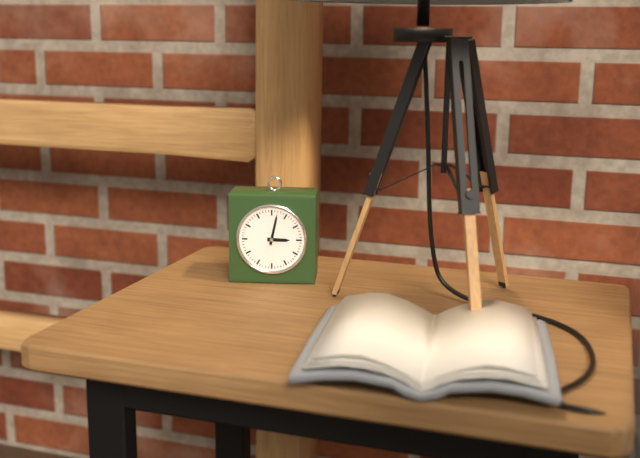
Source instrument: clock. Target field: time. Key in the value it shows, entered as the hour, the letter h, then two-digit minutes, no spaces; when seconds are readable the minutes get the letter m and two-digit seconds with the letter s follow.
3h02
